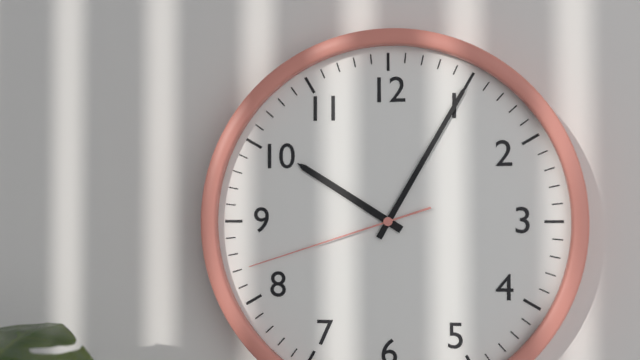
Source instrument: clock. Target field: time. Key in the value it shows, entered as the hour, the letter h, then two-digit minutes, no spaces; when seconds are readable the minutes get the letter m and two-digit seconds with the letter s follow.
10h05m42s
